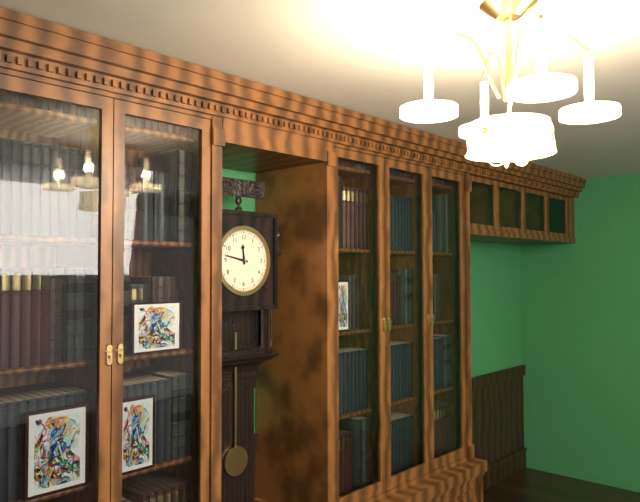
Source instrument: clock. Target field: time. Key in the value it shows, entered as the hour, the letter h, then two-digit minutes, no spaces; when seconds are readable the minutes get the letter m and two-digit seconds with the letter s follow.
11h47
